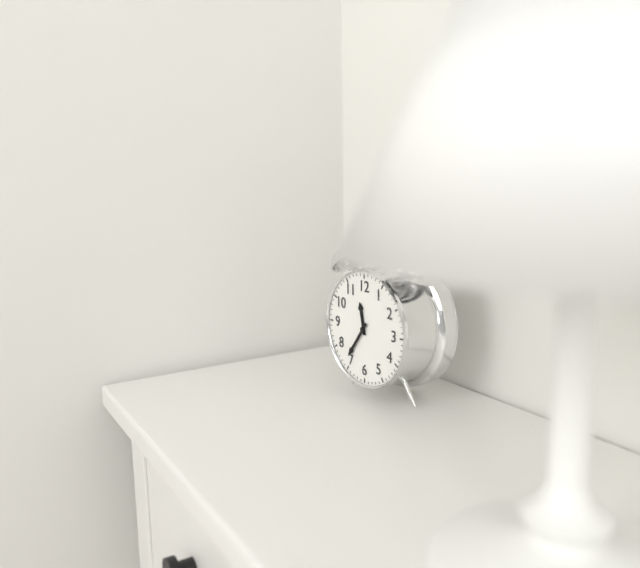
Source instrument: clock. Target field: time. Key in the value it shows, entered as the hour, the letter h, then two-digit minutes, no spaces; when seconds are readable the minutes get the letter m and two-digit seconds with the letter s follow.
11h36
